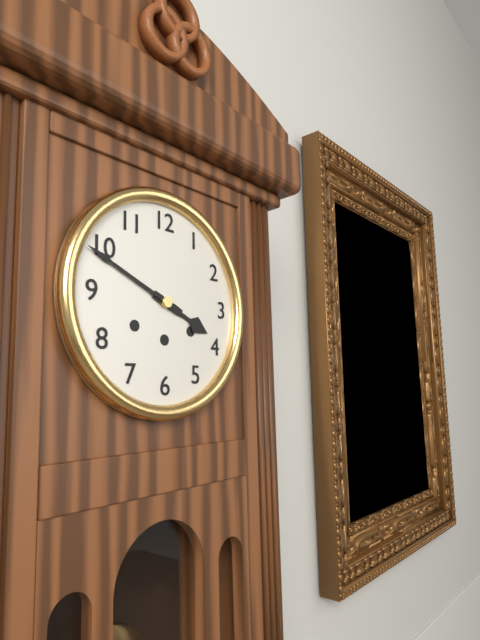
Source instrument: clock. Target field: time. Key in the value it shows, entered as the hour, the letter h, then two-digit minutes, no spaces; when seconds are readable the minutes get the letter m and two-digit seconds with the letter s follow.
3h49
